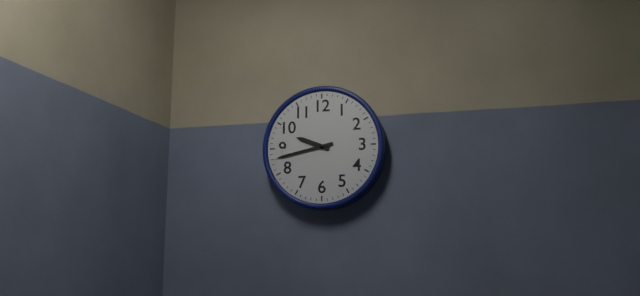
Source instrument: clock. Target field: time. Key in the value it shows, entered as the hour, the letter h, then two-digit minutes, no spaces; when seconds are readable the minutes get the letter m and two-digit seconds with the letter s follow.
9h43
